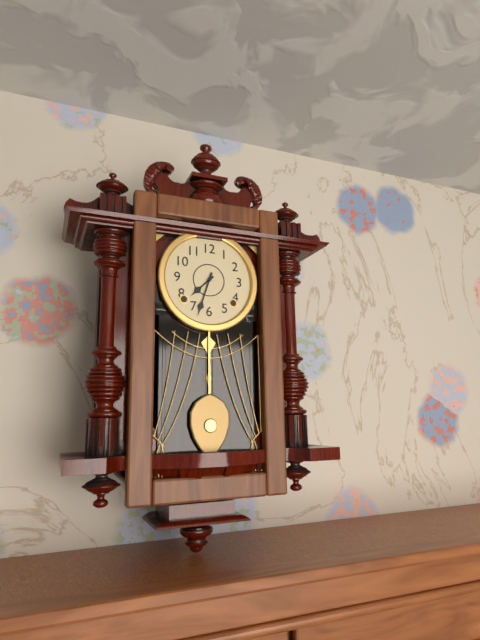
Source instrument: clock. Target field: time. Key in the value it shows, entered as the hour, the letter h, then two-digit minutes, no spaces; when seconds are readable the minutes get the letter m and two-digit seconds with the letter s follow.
7h33
